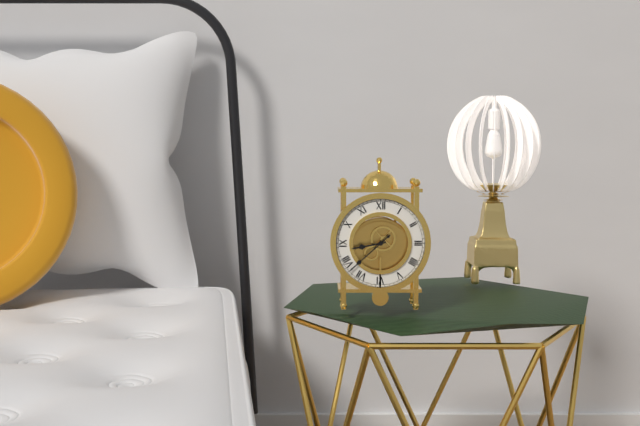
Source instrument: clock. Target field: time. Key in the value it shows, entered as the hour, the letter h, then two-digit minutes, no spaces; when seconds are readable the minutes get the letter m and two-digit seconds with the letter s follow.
8h38
